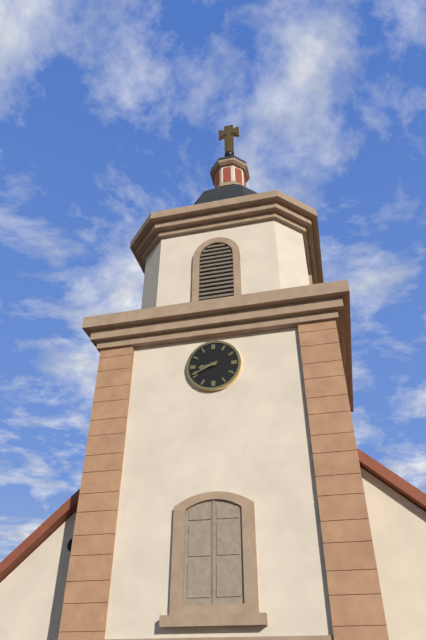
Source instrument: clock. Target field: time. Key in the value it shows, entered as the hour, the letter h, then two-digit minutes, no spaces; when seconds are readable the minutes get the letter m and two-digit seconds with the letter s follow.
8h41
